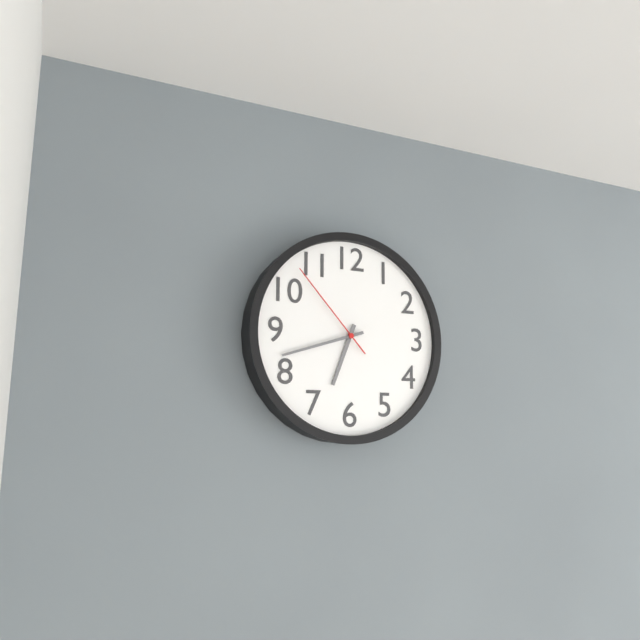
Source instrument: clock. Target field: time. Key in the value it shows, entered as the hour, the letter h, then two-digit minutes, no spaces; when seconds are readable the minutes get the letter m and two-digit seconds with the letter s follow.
6h42m53s
